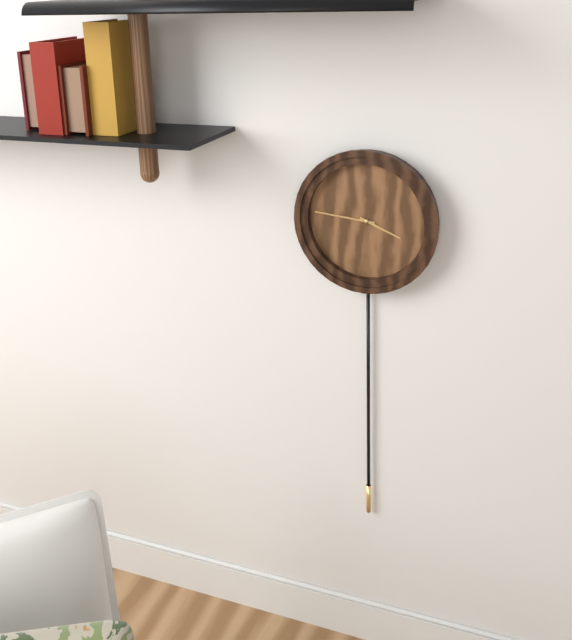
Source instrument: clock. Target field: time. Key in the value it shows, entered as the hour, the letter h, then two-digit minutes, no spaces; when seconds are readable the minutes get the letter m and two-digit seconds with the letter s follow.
3h46
